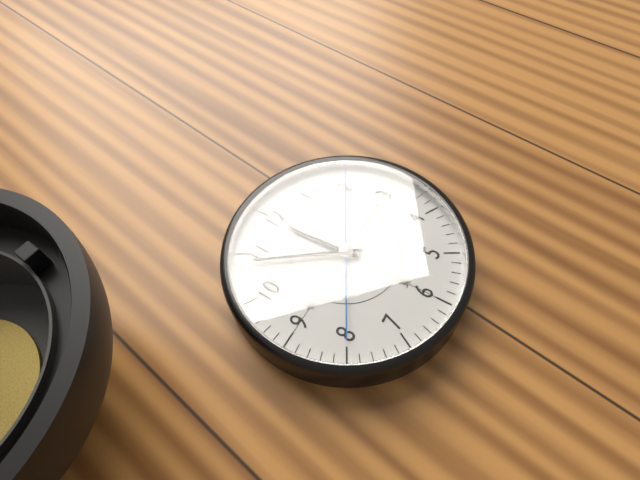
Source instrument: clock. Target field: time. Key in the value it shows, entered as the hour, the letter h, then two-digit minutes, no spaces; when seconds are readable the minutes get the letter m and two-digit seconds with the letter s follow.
11h54m10s
